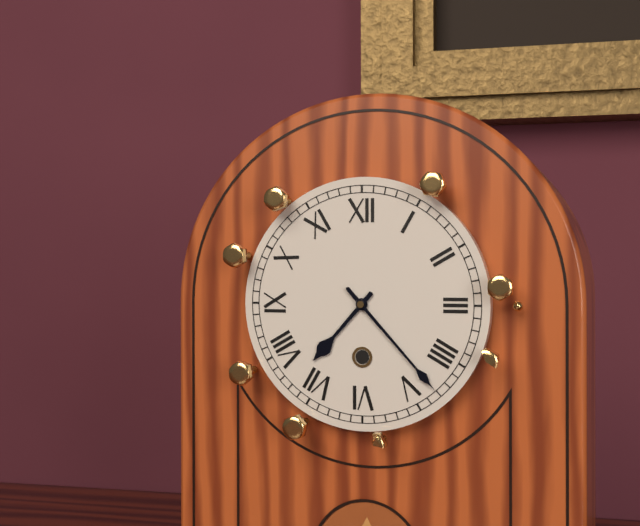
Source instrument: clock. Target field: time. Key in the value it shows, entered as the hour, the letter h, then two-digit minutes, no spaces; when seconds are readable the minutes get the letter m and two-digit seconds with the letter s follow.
7h23
